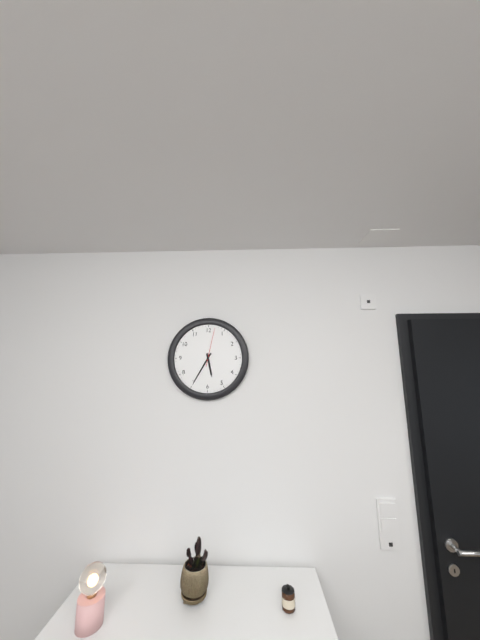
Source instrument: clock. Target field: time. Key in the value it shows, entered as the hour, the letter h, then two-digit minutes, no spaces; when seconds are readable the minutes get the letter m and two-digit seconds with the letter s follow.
5h35
